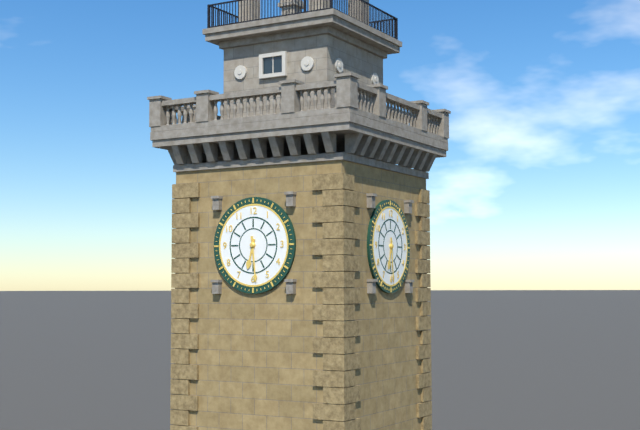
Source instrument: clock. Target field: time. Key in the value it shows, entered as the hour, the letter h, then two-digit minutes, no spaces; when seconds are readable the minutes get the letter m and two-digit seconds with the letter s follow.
6h29
